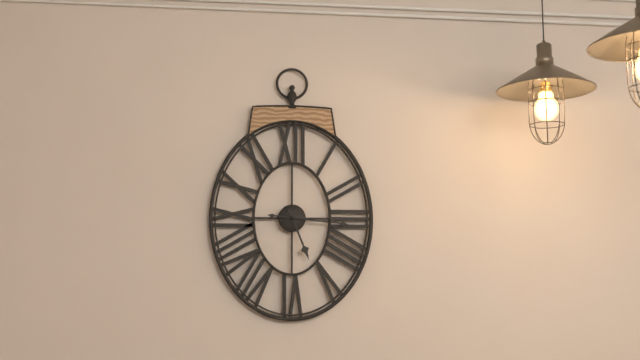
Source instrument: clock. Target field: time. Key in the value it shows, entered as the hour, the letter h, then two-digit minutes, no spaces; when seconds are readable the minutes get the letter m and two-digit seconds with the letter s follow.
5h16
